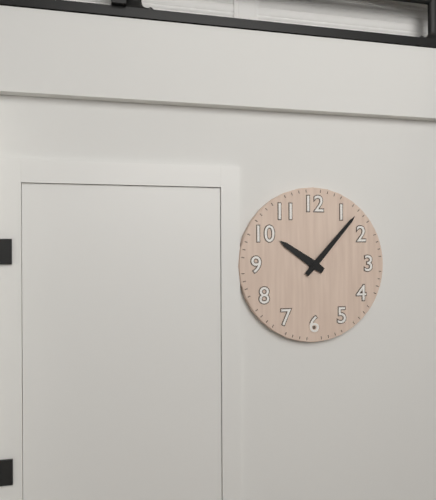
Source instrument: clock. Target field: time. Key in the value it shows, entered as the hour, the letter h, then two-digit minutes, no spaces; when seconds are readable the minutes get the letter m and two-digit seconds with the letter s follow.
10h07
